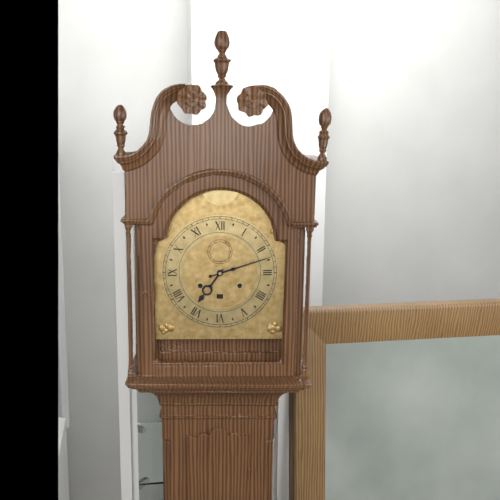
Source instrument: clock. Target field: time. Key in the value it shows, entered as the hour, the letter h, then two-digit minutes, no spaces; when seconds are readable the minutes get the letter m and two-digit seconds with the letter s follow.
7h12
